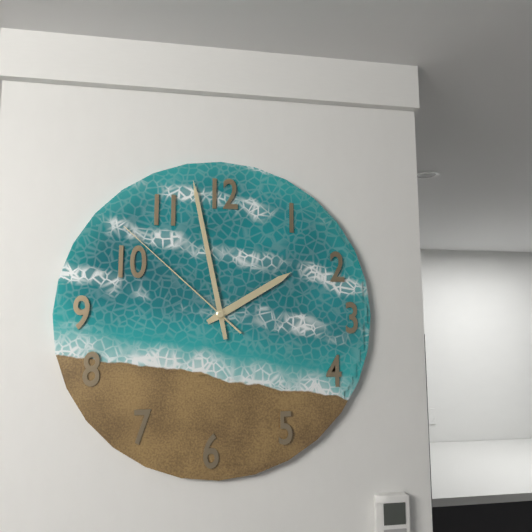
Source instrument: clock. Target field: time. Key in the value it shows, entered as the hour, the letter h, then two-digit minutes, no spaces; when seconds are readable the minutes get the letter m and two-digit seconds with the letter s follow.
1h58m52s
